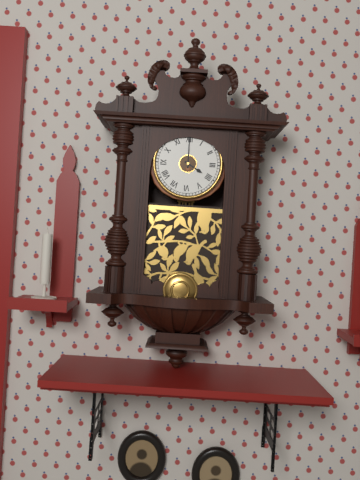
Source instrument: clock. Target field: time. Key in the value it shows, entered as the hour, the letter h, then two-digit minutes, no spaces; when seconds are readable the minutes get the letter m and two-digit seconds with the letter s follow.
4h00
